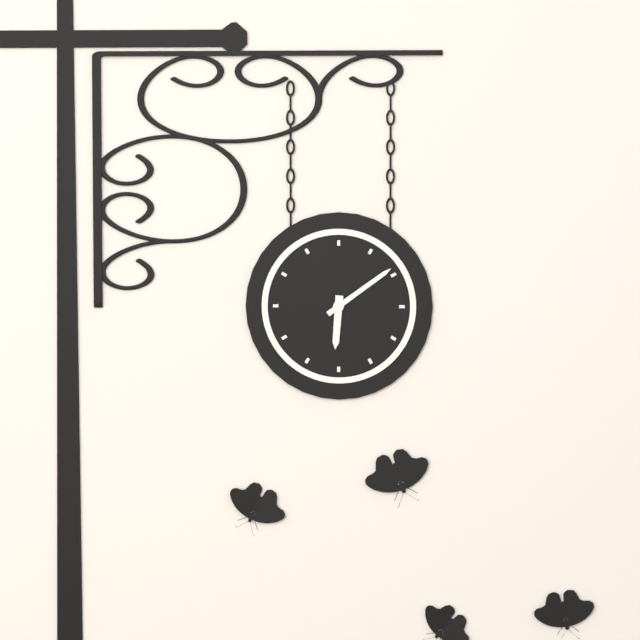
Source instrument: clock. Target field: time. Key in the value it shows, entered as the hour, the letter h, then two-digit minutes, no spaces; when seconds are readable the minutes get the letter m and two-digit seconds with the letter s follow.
6h09
